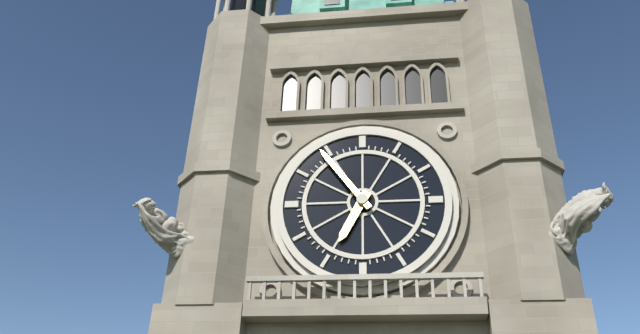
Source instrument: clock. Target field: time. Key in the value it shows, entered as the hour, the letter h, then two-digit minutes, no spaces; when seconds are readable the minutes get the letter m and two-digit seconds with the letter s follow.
6h54
